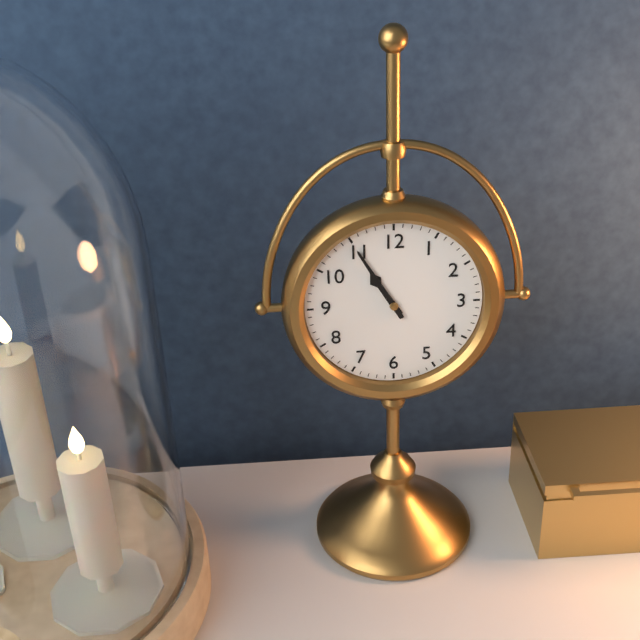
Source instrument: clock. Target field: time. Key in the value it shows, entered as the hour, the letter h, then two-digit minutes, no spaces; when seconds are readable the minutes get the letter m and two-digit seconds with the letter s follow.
10h55
